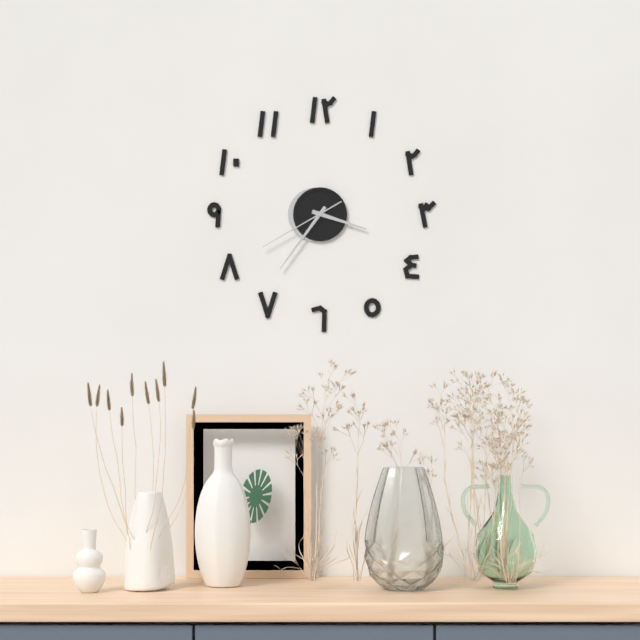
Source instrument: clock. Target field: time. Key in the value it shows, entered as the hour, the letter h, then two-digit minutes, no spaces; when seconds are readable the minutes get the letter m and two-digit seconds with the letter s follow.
3h36m40s
